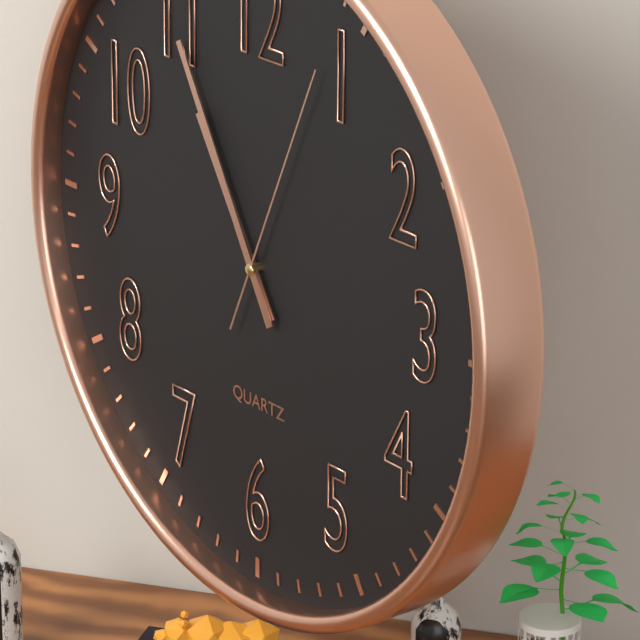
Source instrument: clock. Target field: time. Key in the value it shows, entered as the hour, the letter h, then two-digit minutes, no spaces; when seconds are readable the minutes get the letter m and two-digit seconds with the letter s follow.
10h55m04s
